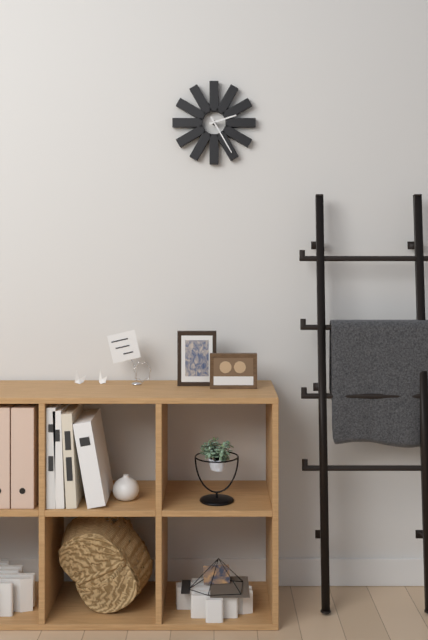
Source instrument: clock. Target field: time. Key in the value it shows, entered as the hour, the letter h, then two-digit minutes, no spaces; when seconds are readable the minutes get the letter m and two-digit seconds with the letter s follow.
2h25
